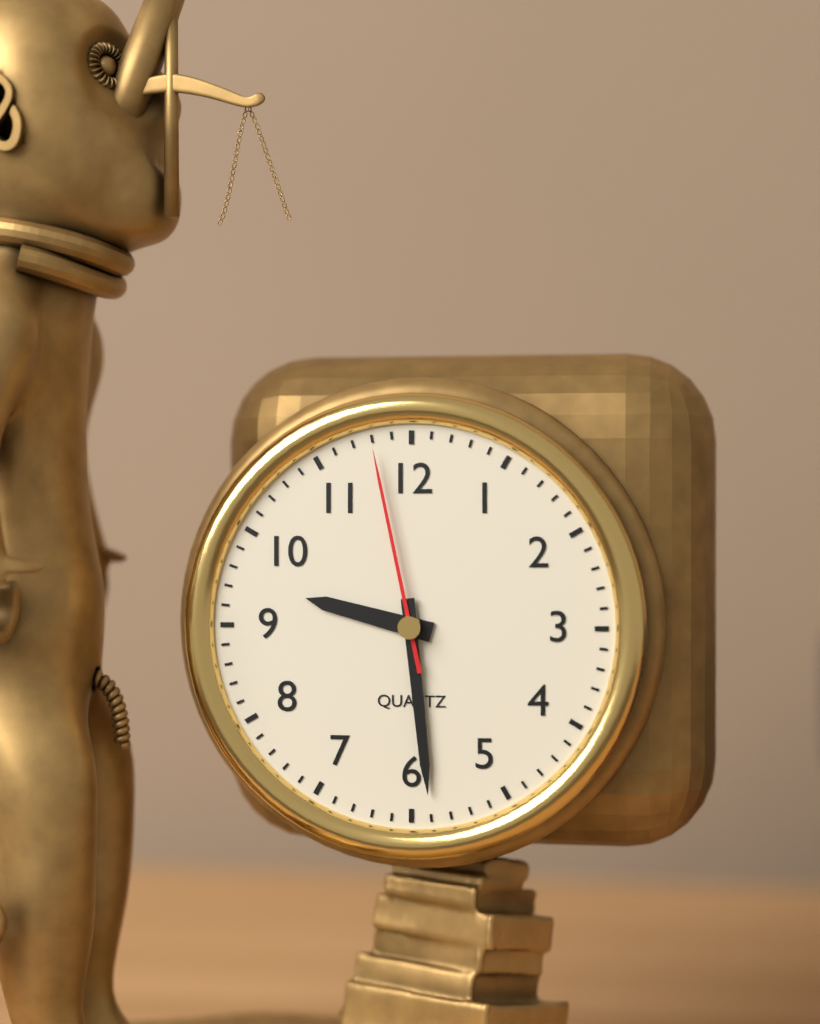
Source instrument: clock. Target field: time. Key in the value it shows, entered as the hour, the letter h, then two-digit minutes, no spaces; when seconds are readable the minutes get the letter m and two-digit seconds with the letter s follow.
9h29m58s
